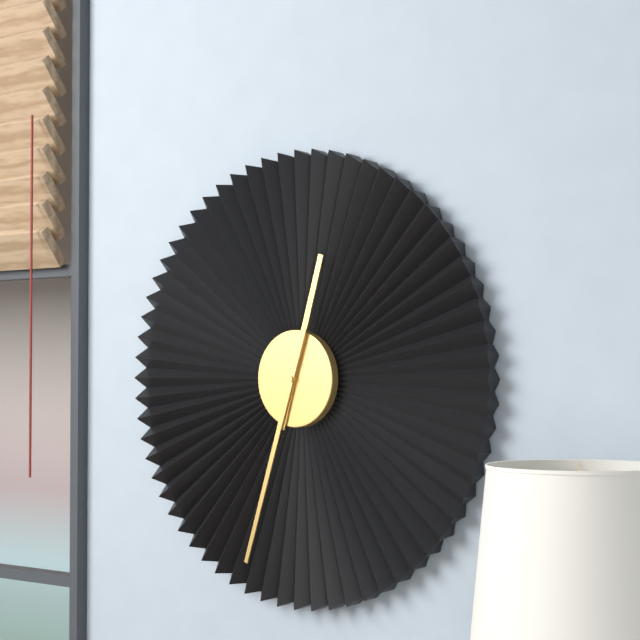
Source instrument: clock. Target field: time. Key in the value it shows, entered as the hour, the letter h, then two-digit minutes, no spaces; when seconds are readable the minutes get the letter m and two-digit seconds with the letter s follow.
12h33
